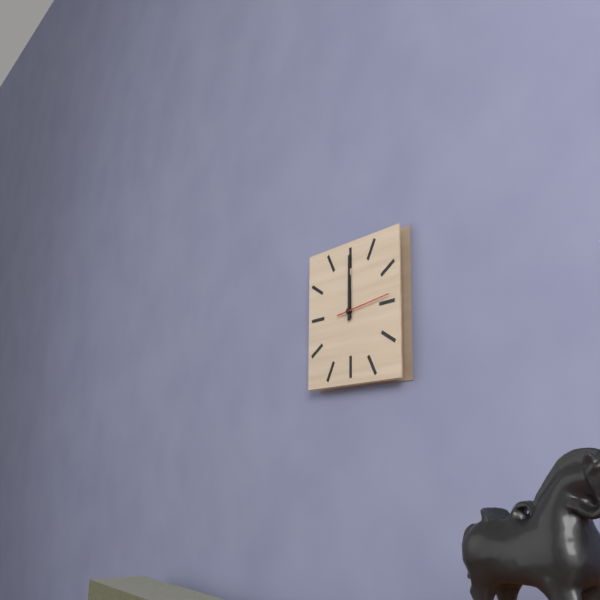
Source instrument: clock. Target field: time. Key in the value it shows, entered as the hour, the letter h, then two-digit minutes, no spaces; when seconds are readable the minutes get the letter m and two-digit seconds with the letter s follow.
12h00m14s
